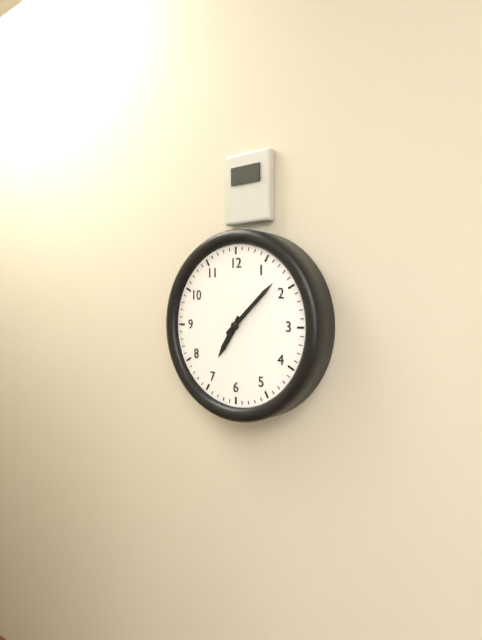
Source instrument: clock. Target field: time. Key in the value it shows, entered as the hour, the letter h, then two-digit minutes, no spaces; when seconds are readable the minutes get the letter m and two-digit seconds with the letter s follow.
7h08
